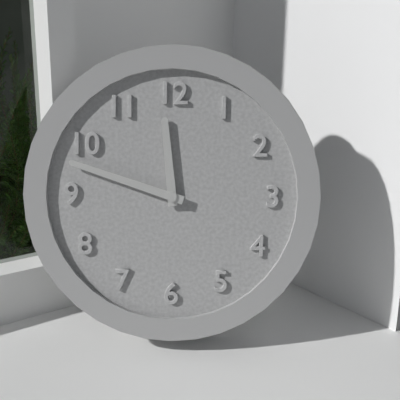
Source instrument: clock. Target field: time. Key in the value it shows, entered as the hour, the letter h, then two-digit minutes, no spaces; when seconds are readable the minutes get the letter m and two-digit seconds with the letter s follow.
11h48
